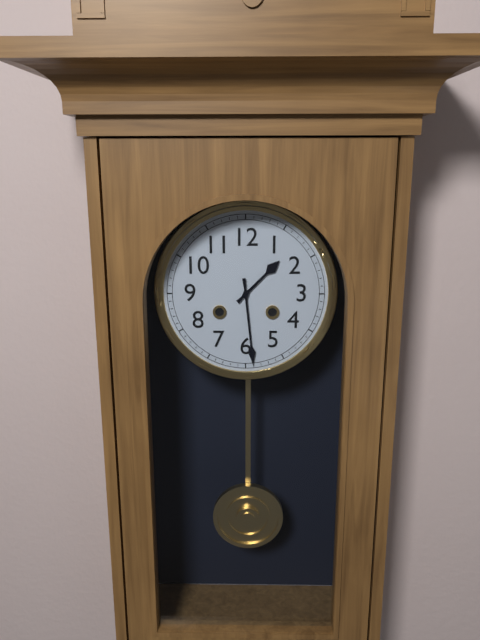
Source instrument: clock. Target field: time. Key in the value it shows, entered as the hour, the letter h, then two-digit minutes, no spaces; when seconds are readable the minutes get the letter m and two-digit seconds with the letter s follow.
1h29
